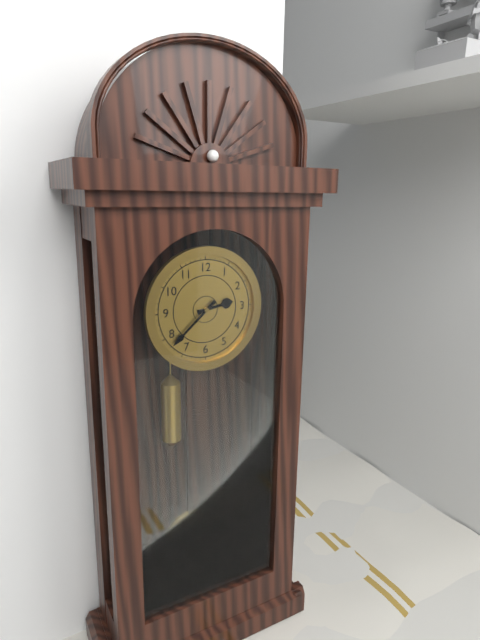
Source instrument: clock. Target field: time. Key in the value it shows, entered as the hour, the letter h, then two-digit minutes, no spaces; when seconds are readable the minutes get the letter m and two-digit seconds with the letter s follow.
2h38
